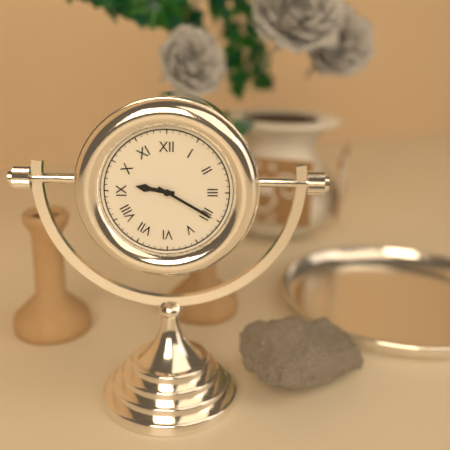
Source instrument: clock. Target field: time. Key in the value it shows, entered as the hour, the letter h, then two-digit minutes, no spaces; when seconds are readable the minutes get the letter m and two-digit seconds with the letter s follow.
9h20
